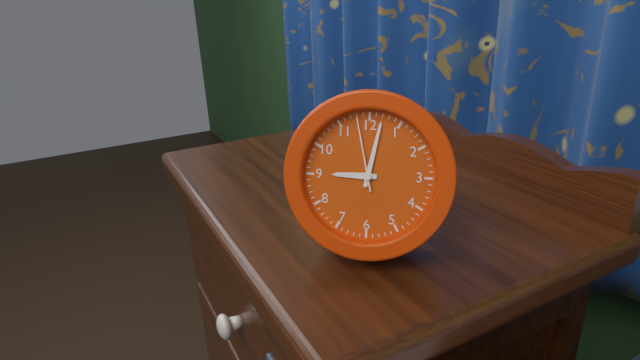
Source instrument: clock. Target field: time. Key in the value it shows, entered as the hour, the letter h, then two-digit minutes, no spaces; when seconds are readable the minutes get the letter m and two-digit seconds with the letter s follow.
9h02m58s
